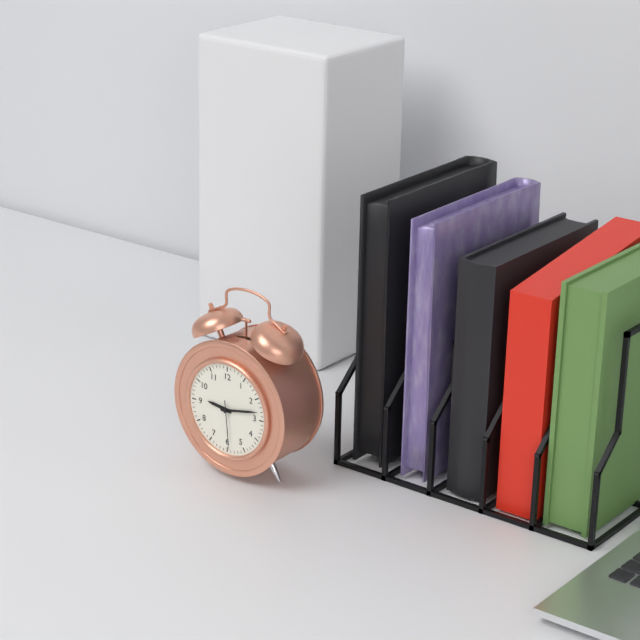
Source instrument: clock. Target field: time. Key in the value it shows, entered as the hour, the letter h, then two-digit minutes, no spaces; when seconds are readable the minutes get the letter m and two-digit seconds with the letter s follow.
9h13m29s
